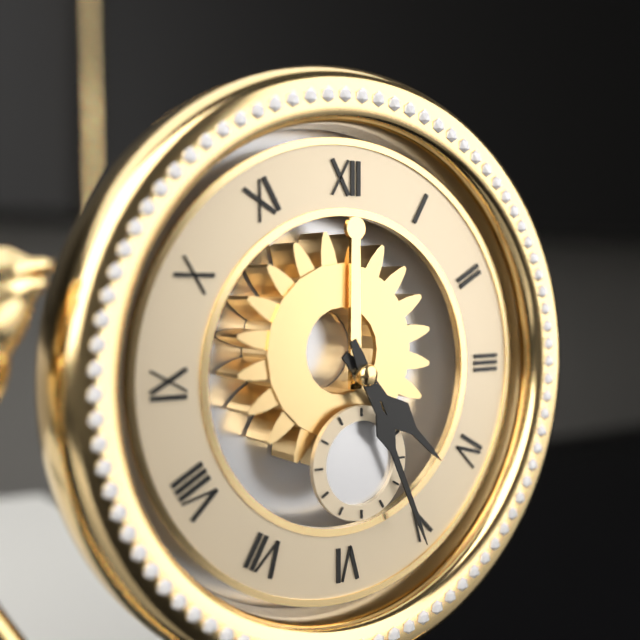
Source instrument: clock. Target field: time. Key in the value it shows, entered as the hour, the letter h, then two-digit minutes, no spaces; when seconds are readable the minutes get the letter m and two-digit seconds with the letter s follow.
4h26
